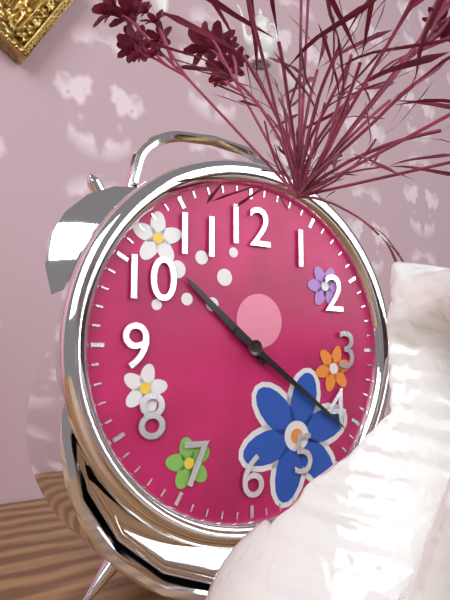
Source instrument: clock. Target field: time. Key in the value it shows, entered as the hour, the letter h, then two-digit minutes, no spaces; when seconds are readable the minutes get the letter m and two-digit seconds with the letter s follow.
10h21
